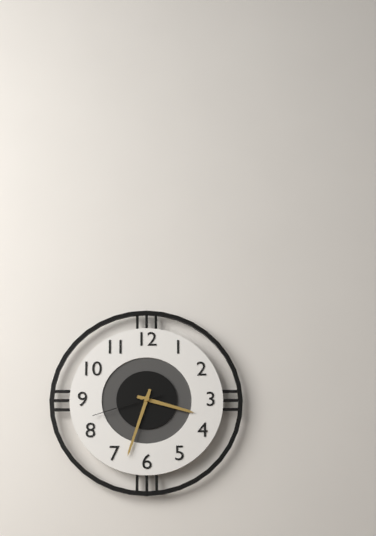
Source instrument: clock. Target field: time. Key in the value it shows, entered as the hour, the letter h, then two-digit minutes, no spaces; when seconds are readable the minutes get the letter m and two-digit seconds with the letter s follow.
3h33m42s
